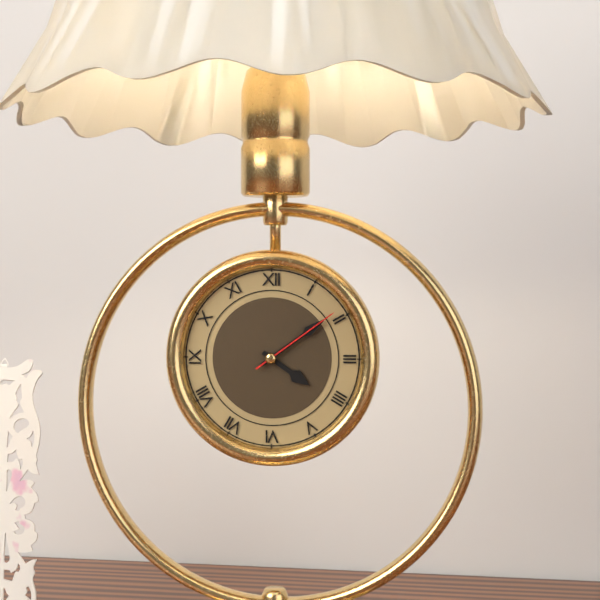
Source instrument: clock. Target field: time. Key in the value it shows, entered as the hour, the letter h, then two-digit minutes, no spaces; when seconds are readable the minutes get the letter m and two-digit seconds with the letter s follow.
4h09m09s
